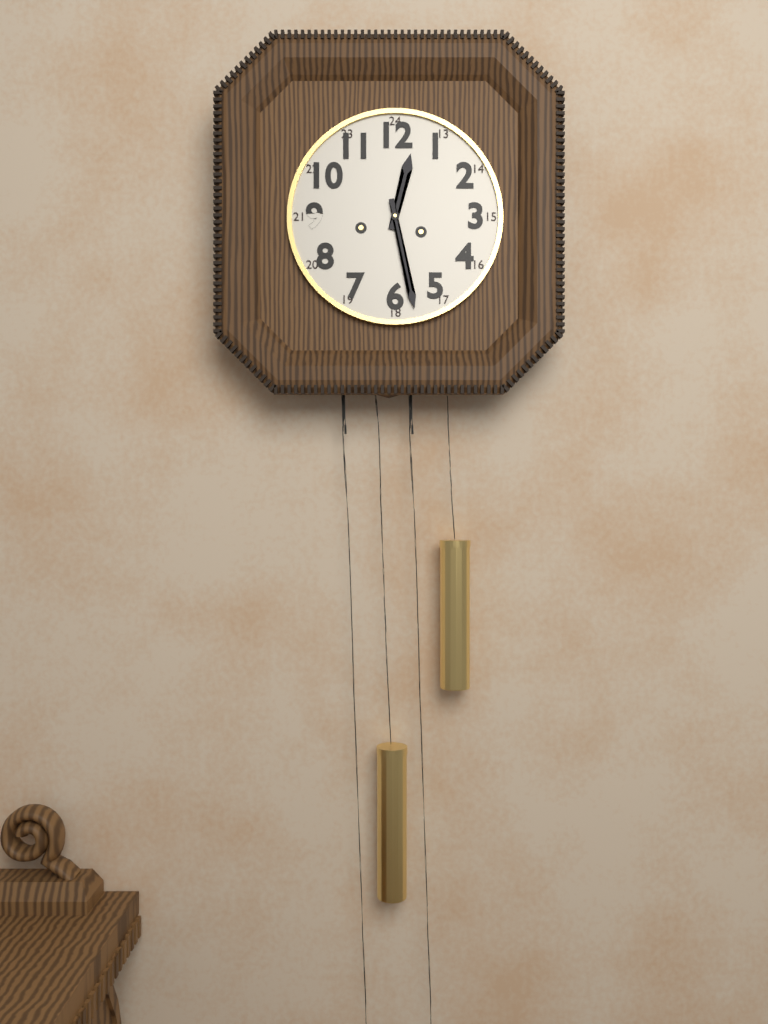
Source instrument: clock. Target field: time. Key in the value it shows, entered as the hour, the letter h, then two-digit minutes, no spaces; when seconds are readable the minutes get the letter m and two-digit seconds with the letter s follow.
12h28
